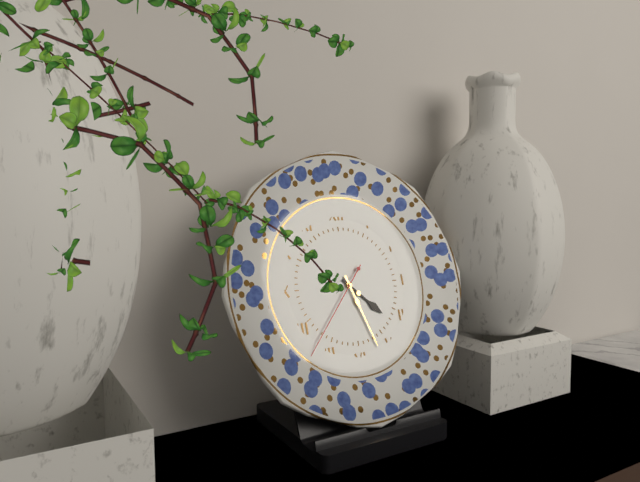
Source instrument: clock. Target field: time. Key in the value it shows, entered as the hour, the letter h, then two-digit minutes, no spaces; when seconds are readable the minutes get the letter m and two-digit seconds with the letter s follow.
4h27m37s
